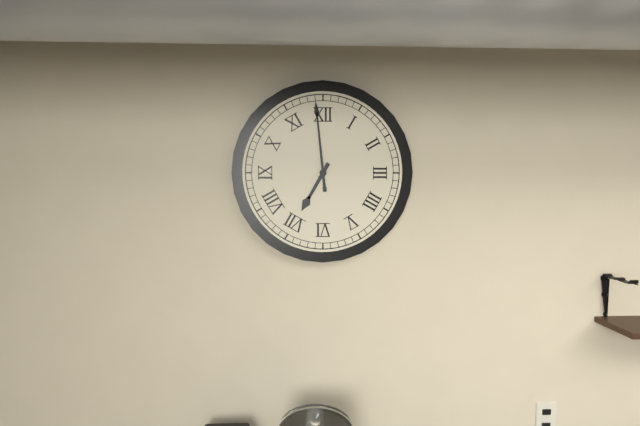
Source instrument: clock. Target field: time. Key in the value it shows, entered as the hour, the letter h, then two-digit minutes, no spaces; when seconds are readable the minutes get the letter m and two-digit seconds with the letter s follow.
6h59
